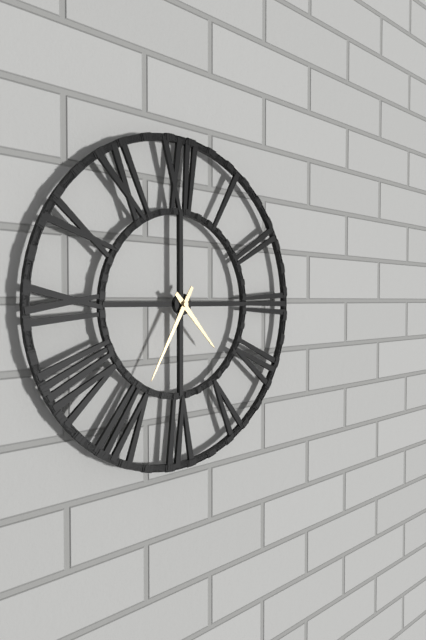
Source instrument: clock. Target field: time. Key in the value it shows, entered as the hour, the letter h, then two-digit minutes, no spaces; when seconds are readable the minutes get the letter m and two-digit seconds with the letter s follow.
4h35
